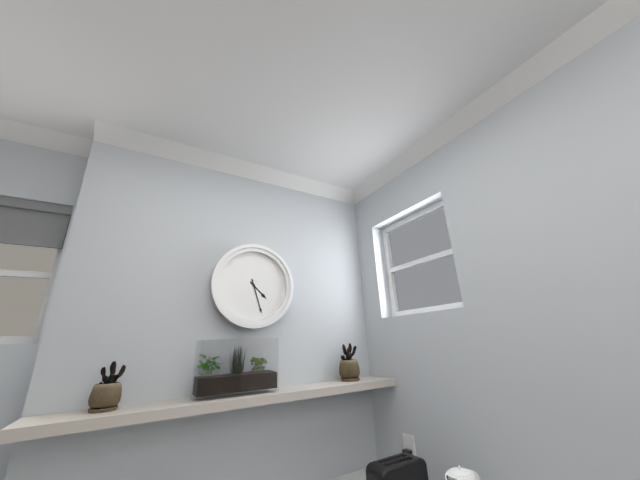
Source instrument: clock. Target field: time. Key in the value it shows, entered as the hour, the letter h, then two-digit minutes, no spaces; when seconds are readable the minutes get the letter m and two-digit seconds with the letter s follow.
4h27
